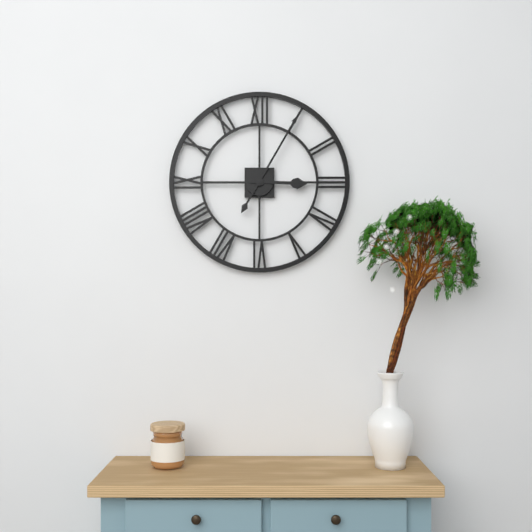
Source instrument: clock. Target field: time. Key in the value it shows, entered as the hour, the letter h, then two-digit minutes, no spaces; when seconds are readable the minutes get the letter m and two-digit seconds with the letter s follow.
3h05
